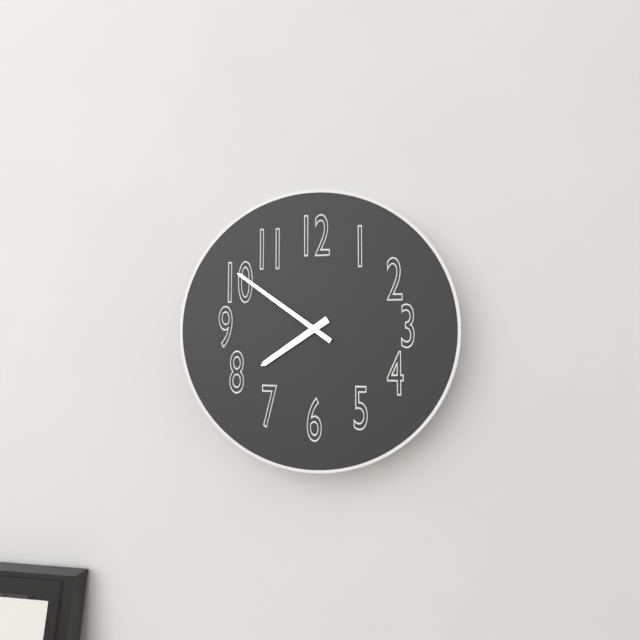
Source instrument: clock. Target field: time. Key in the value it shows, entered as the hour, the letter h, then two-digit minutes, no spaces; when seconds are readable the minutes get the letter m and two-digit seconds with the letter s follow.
7h51
